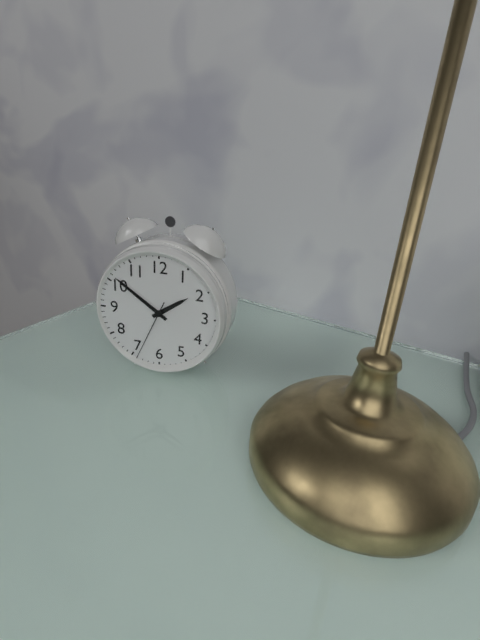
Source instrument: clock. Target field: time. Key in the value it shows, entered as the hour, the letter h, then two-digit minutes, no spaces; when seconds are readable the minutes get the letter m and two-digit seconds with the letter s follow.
1h51m34s
